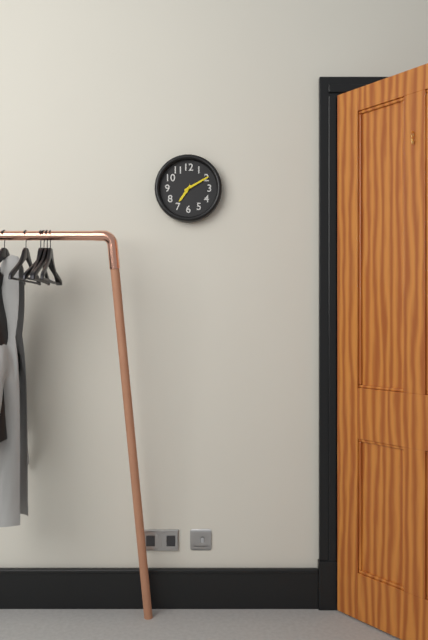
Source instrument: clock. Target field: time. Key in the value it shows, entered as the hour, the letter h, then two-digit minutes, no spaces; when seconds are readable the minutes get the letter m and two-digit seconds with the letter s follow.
7h10
